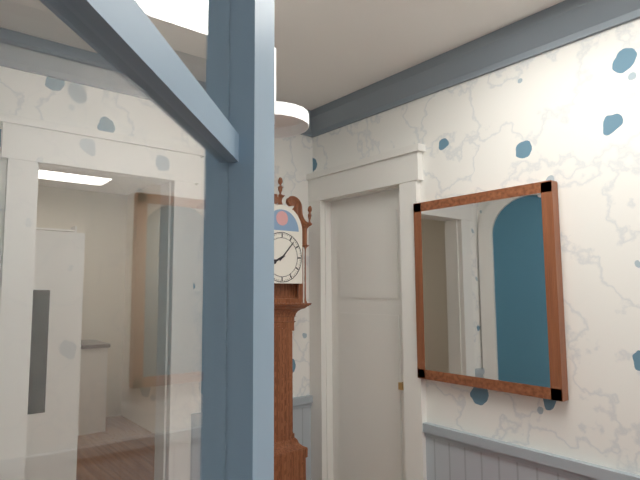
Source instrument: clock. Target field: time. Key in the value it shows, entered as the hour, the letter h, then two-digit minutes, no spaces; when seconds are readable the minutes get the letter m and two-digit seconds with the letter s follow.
8h07
